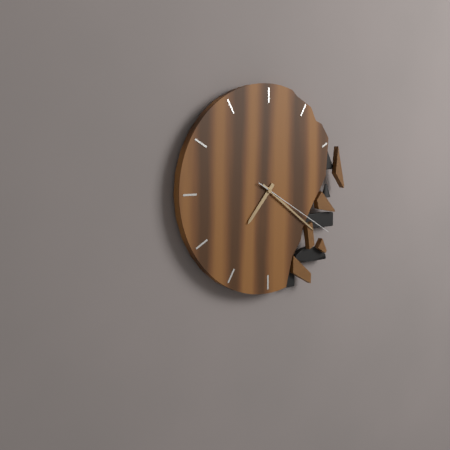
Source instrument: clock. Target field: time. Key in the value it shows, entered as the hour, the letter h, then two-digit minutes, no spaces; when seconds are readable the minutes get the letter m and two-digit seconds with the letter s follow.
7h21m20s
